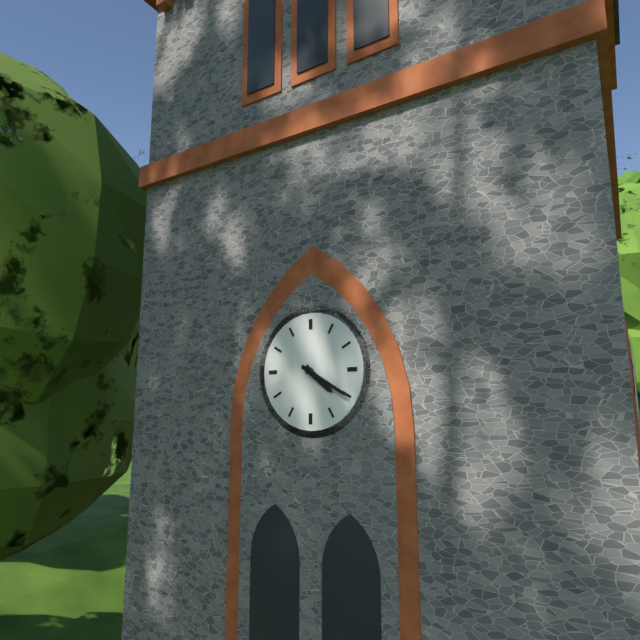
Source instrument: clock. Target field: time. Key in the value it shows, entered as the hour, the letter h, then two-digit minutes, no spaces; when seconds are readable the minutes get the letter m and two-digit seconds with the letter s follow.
4h20
